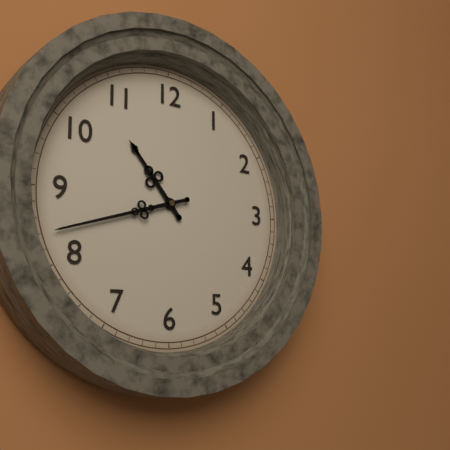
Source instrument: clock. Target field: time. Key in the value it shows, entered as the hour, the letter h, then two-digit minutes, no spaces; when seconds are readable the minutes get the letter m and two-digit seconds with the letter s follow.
10h42
